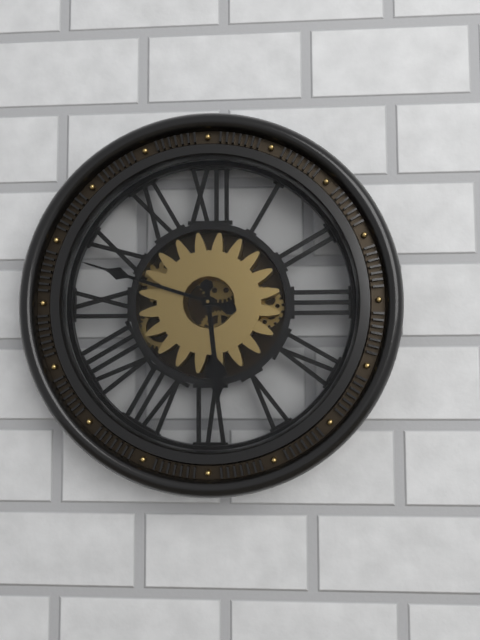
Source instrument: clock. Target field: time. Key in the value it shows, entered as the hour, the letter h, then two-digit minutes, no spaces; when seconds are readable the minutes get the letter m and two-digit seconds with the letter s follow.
5h48
